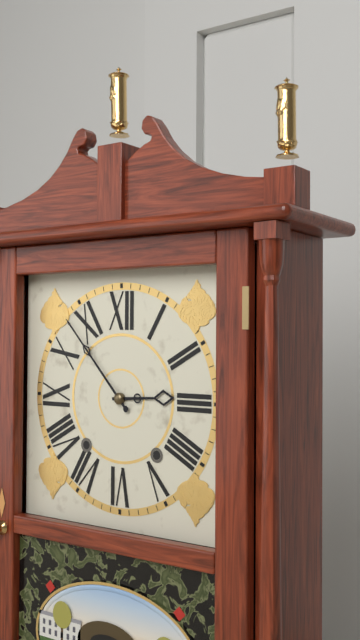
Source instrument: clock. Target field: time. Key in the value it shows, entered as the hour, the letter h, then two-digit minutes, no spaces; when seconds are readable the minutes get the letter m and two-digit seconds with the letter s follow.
2h53
